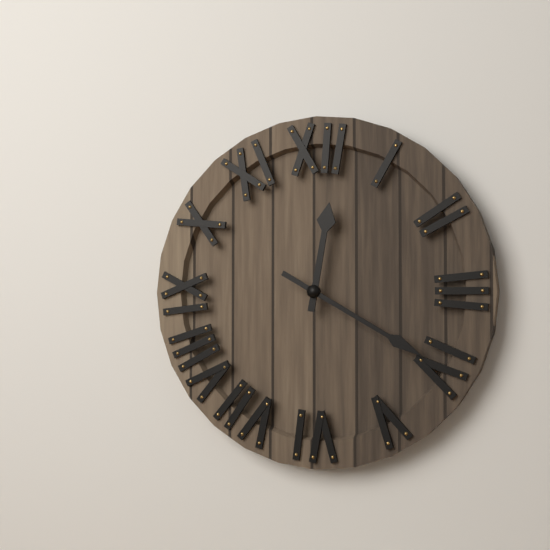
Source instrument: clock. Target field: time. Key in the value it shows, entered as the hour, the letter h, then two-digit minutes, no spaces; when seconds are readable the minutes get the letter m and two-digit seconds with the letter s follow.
12h20
